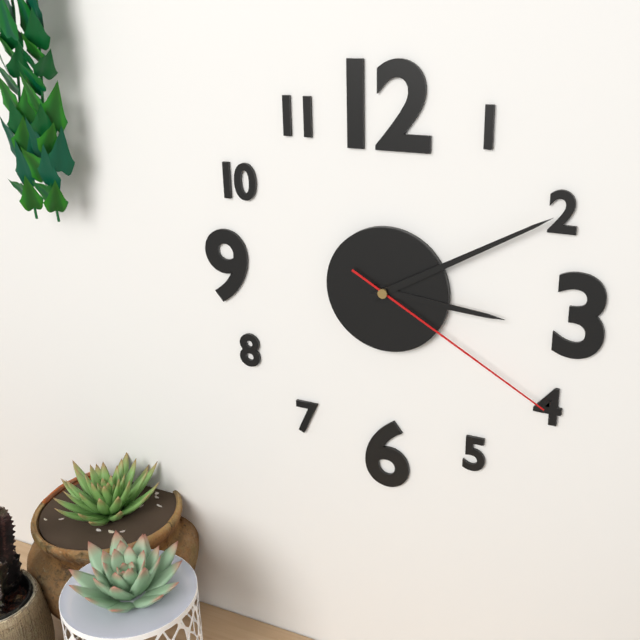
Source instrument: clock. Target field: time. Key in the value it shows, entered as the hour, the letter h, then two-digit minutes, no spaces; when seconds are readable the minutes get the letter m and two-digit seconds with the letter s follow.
3h10m20s
